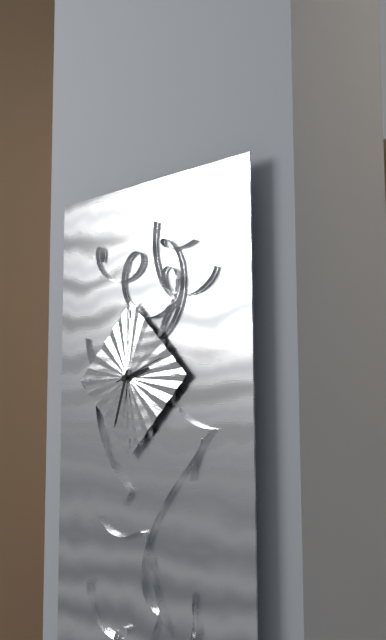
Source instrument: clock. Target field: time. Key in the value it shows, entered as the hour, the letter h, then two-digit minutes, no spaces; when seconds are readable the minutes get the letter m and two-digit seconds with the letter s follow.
2h33
